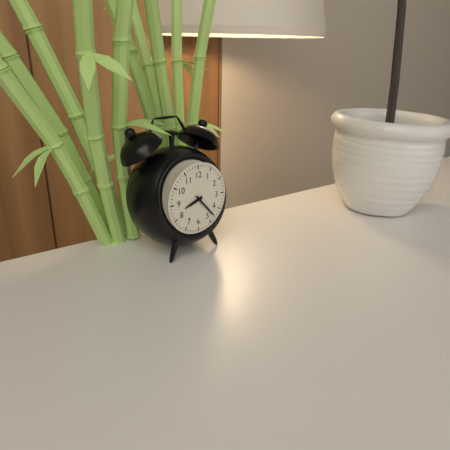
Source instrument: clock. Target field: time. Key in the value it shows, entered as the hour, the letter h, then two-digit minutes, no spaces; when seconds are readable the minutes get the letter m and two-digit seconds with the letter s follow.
8h23
